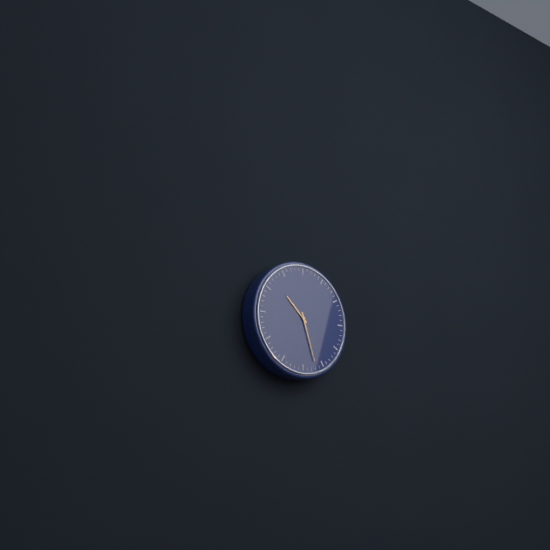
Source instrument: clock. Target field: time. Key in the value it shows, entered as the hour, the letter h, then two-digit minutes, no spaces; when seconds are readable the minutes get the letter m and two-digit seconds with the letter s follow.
10h27
